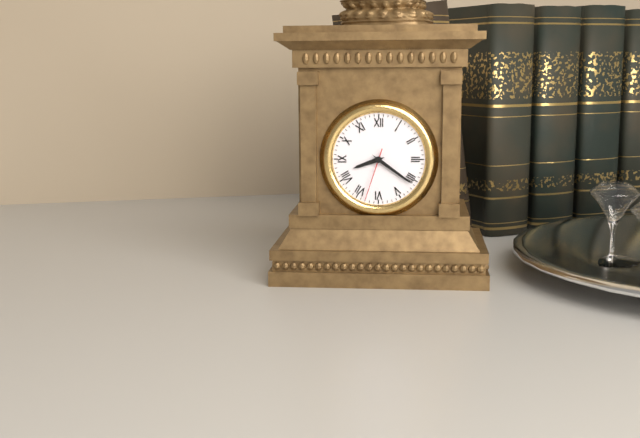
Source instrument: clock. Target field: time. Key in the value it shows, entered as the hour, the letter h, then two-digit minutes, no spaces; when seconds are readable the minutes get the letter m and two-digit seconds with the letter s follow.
8h21m33s
